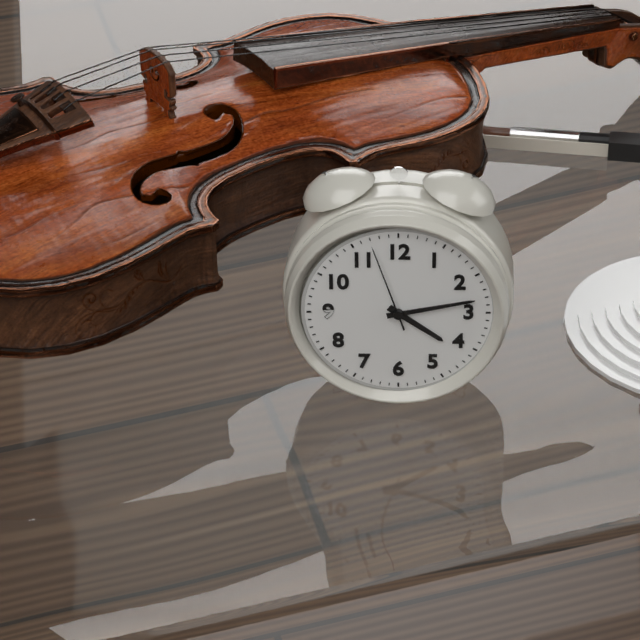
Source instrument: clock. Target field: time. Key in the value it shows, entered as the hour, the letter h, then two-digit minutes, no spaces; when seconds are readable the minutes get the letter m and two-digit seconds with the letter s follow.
4h13m57s
